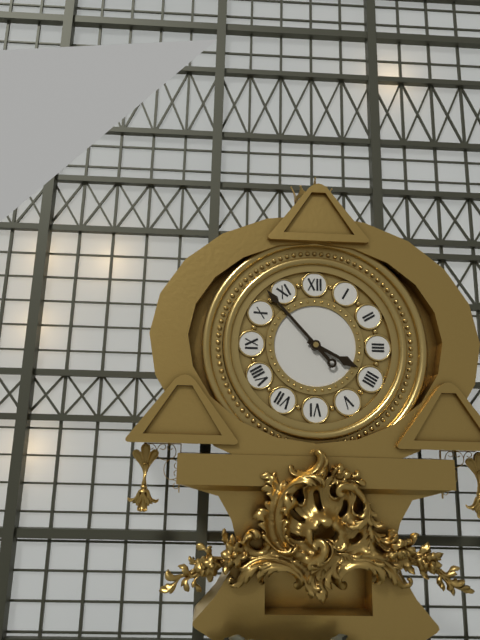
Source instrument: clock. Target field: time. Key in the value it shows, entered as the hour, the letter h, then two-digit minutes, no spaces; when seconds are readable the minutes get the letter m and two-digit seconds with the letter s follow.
3h53
